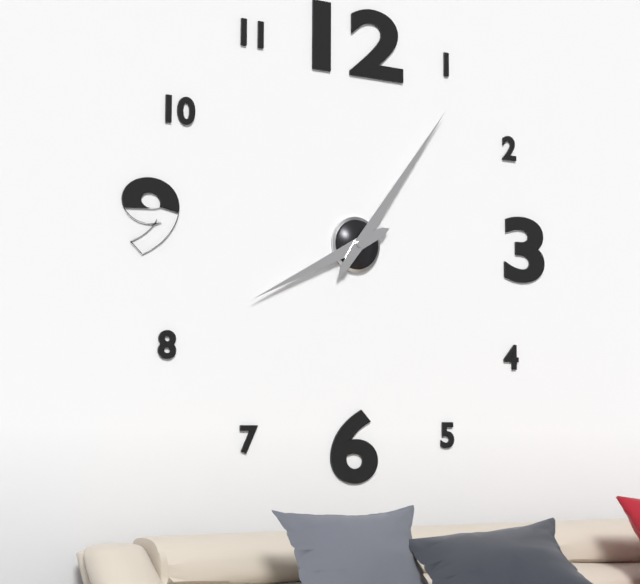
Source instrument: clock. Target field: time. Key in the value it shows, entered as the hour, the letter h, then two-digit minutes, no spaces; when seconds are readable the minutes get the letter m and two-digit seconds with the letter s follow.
8h06
